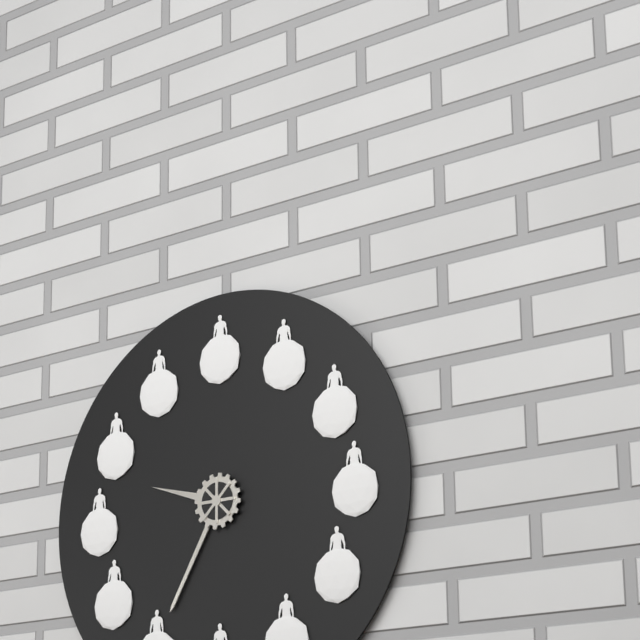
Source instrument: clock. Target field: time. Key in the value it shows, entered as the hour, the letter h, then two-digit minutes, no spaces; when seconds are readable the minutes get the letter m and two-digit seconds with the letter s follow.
9h35
